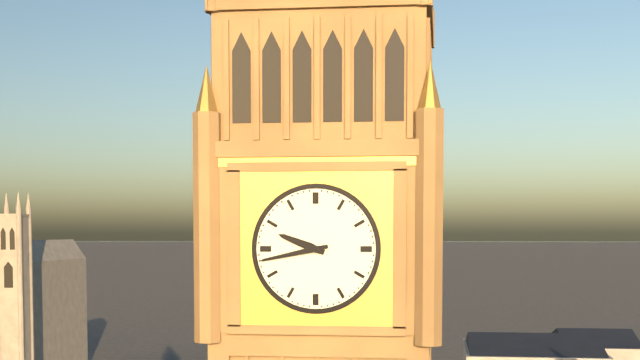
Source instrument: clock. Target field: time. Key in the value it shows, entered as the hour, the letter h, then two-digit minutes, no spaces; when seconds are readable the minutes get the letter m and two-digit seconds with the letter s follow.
9h43
